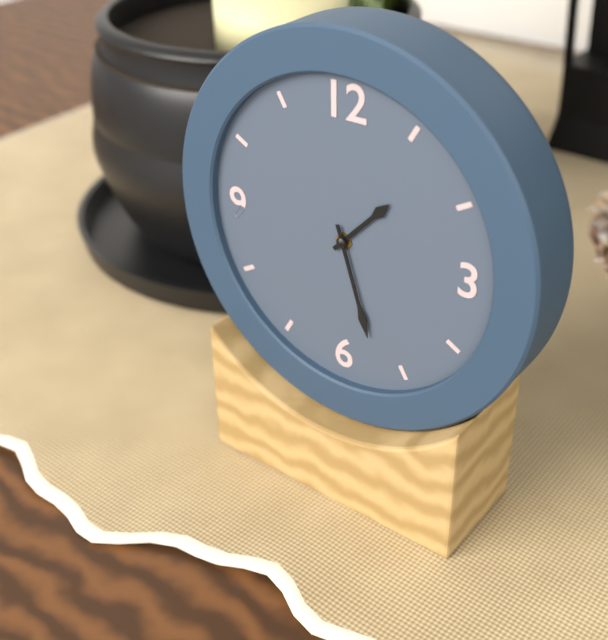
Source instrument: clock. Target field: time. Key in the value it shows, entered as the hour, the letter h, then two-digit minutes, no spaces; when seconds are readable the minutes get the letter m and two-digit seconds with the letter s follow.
1h27
